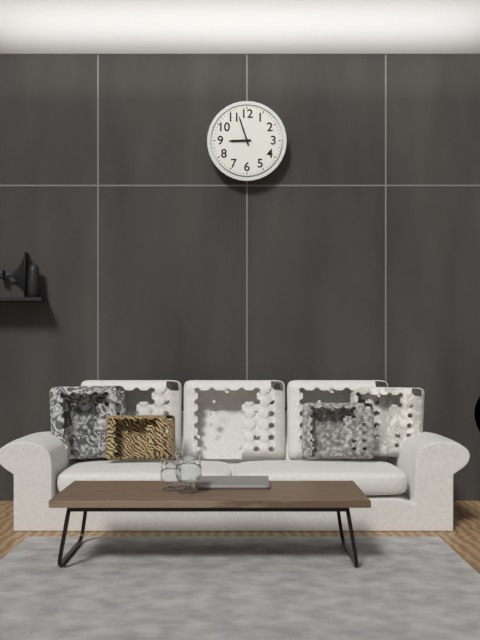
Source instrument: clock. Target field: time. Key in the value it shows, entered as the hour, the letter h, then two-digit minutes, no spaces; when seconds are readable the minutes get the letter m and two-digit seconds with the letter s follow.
8h57
